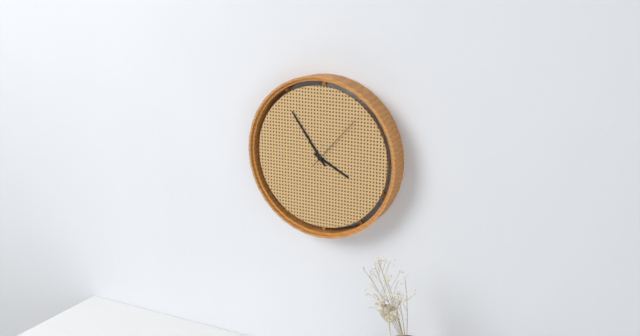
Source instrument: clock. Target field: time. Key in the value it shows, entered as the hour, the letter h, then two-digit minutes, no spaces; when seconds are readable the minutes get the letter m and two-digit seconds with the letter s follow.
3h54m07s
